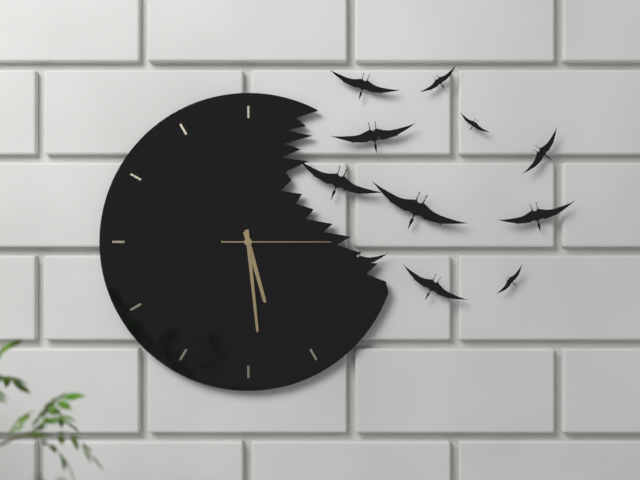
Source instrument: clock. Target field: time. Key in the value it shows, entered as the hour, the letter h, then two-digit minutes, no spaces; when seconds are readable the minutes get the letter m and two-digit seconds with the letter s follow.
5h29m15s
